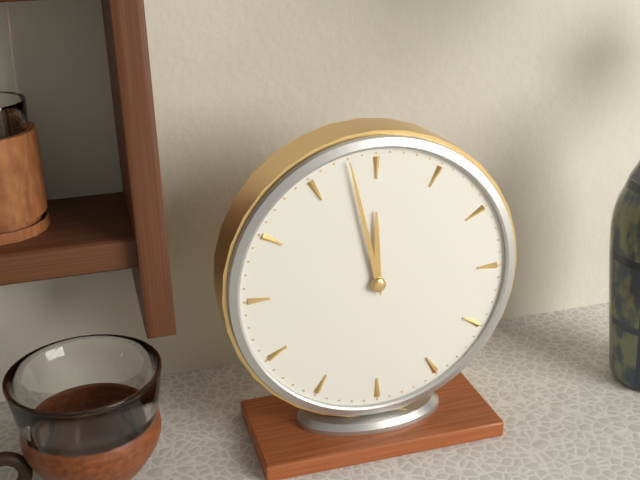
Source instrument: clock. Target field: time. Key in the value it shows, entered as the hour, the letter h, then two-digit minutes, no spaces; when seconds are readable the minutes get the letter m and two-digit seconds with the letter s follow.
11h58
